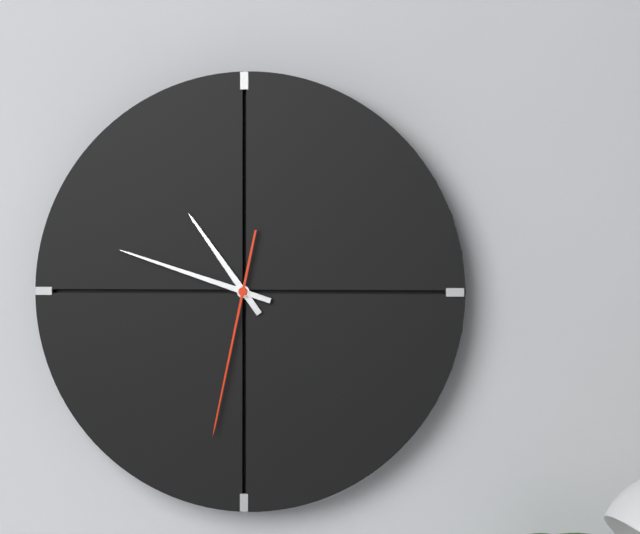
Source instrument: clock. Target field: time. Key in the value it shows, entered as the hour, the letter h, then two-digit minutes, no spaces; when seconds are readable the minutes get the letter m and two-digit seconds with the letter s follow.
10h48m32s
